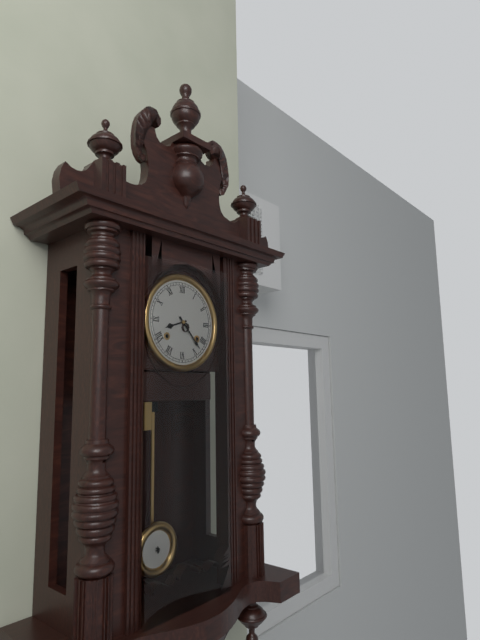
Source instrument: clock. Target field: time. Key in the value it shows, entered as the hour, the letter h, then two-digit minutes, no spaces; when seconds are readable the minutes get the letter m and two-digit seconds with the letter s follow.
8h23
